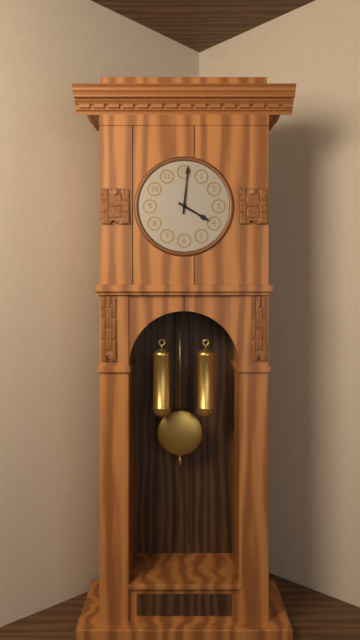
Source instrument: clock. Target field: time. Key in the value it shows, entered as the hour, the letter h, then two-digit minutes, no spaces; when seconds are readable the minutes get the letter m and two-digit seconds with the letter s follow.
4h01
